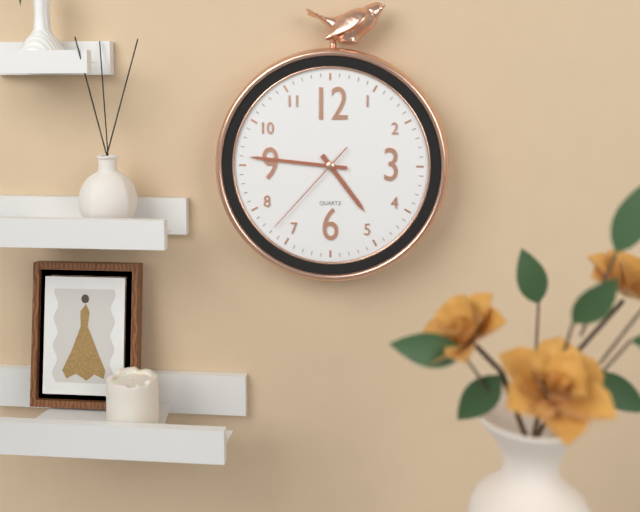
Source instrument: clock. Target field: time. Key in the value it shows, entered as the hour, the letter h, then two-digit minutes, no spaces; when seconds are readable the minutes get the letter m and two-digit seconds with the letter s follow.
4h46m37s
